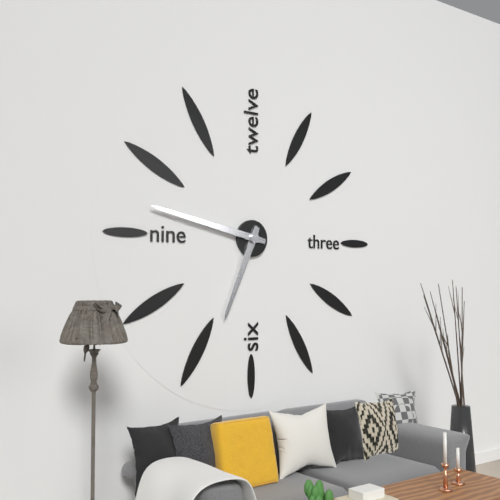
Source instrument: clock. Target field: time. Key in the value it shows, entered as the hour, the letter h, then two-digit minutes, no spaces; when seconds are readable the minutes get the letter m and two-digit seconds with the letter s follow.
6h47
